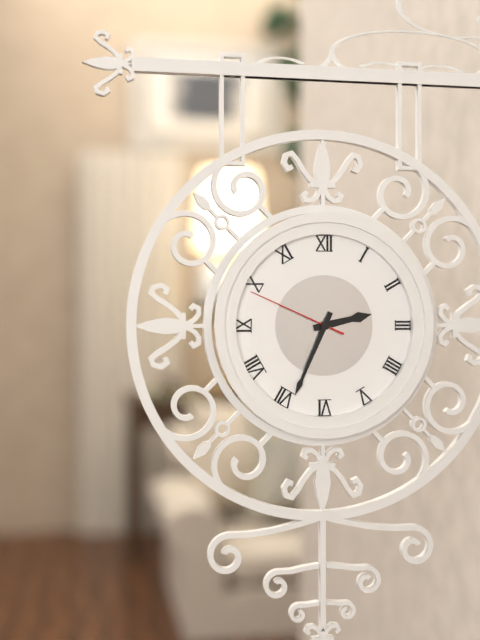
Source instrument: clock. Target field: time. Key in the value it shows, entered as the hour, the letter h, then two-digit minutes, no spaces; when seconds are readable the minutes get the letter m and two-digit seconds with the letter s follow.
2h34m49s
